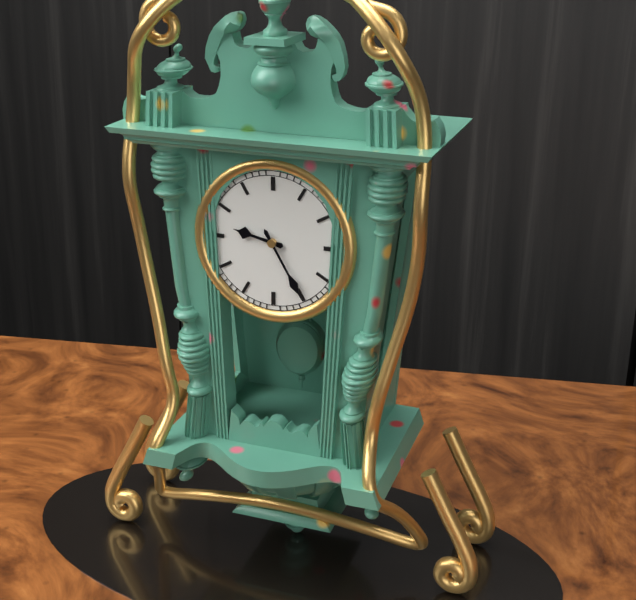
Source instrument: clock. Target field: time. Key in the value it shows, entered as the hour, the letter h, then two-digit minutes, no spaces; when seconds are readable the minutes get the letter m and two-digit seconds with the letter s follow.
9h25
